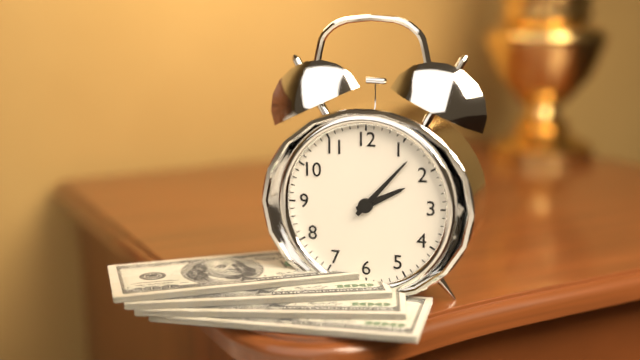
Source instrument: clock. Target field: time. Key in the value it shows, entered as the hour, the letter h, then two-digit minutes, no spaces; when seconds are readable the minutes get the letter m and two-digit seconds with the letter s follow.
2h07
